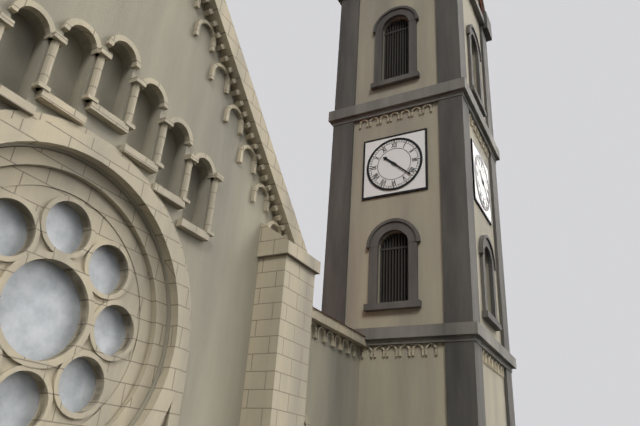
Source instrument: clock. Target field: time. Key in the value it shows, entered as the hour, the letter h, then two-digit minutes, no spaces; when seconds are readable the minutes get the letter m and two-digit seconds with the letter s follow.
10h22
